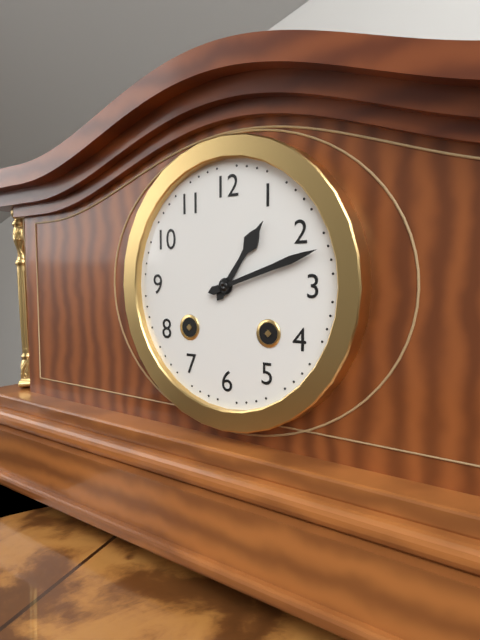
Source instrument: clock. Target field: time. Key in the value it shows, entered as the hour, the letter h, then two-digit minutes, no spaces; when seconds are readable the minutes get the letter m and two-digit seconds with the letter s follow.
1h12
